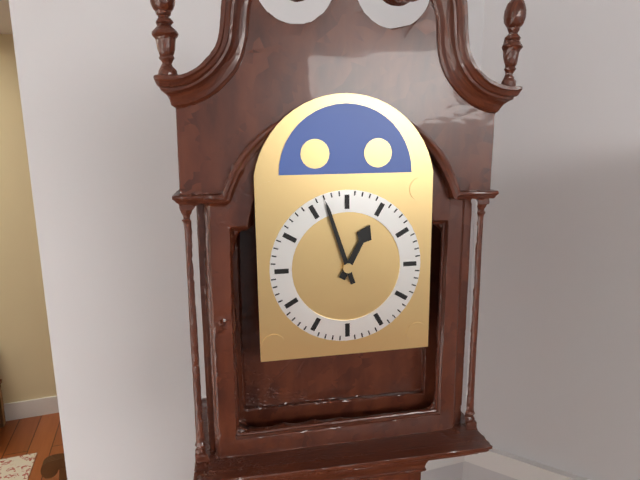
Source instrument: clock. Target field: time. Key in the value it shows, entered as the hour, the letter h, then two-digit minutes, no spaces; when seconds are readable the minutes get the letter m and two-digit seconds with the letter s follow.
12h57
